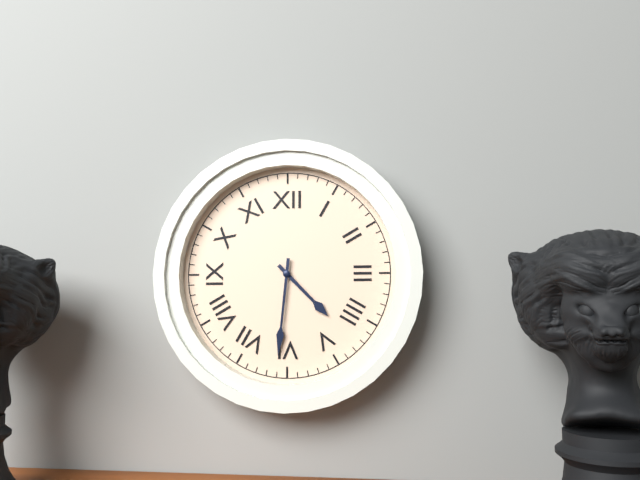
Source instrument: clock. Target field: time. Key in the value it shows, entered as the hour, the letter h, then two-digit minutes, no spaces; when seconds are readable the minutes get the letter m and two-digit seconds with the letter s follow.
4h31
